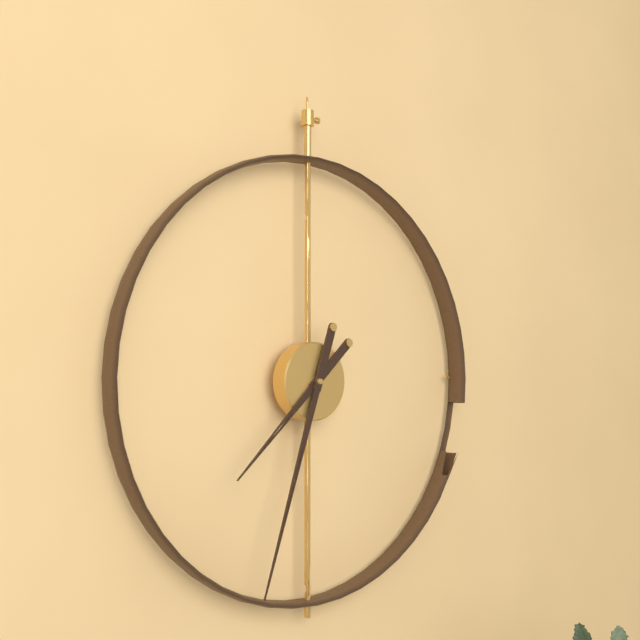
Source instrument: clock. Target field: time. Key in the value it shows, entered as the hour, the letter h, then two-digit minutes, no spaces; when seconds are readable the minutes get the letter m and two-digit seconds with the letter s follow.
7h33
